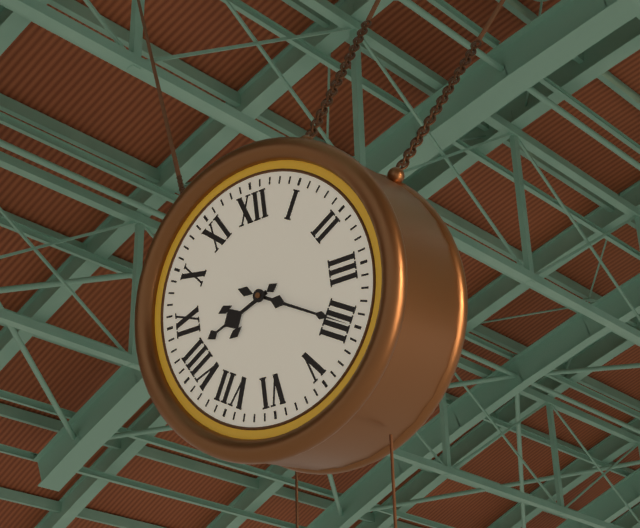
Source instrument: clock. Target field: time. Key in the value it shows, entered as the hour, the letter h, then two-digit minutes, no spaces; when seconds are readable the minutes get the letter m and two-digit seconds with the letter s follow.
8h20
